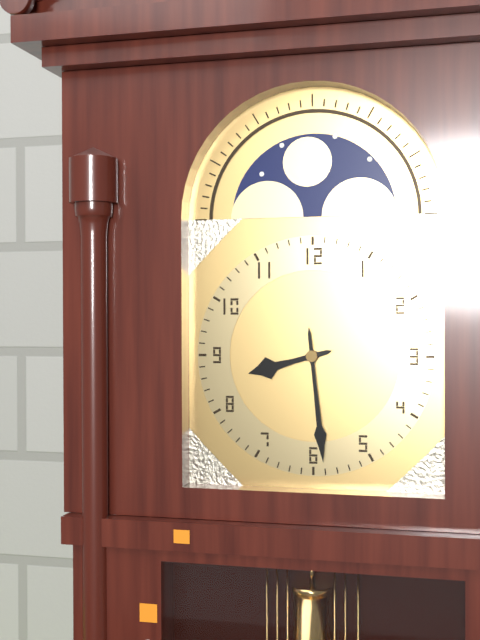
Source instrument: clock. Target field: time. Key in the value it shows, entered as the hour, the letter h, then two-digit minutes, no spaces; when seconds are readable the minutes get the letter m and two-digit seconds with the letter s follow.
8h29
